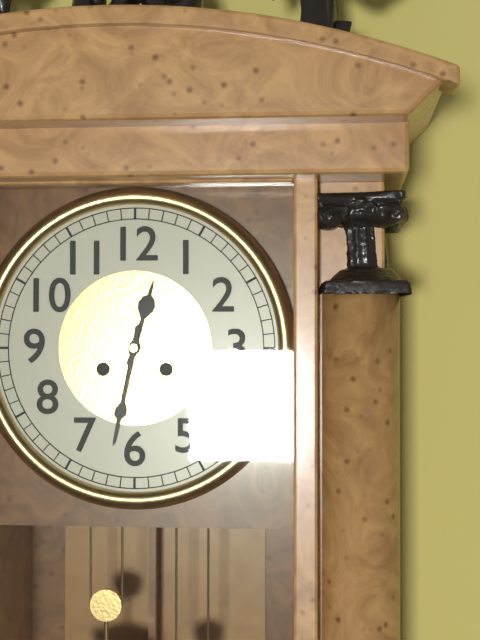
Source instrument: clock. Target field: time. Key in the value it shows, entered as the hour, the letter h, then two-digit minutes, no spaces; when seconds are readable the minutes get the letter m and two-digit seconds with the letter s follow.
12h32
